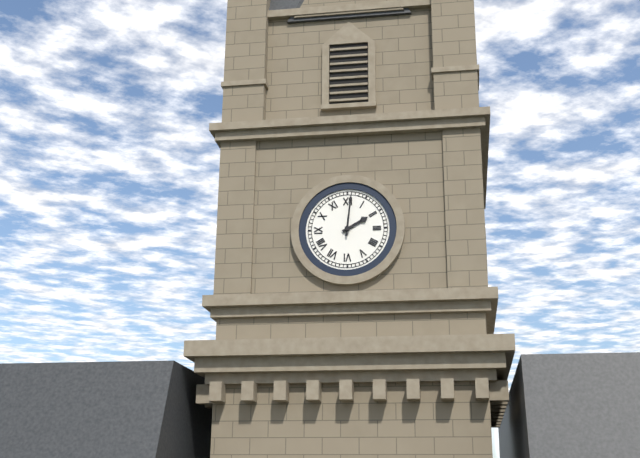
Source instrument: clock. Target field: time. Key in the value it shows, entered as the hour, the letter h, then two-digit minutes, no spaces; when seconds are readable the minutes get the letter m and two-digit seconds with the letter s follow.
2h01
